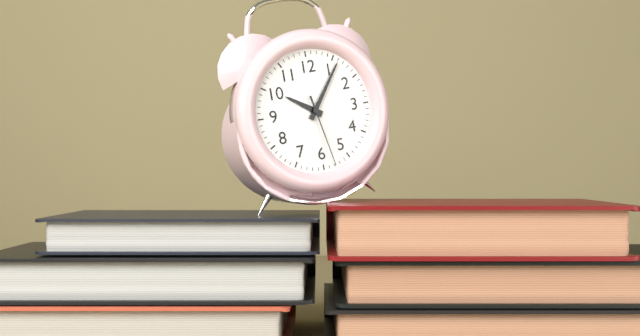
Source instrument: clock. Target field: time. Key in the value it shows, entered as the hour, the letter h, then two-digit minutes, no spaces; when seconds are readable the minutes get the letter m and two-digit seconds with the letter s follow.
10h06m28s
